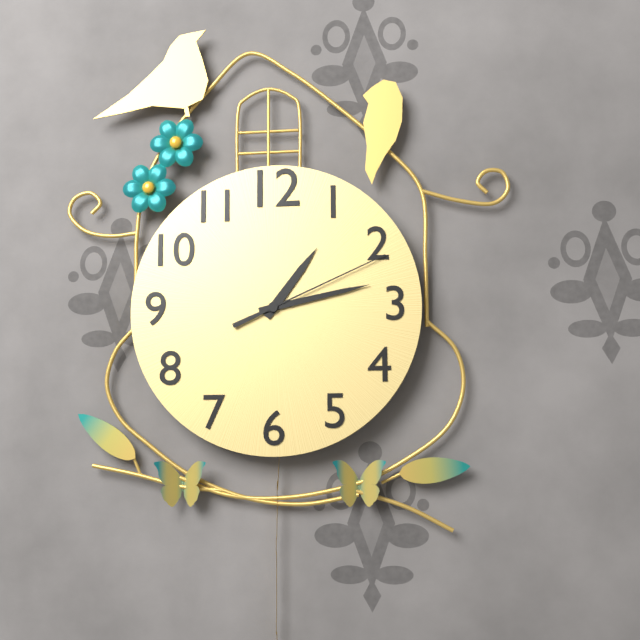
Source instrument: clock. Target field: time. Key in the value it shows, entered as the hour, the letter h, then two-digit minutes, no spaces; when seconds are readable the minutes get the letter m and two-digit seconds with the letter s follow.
1h13m11s
